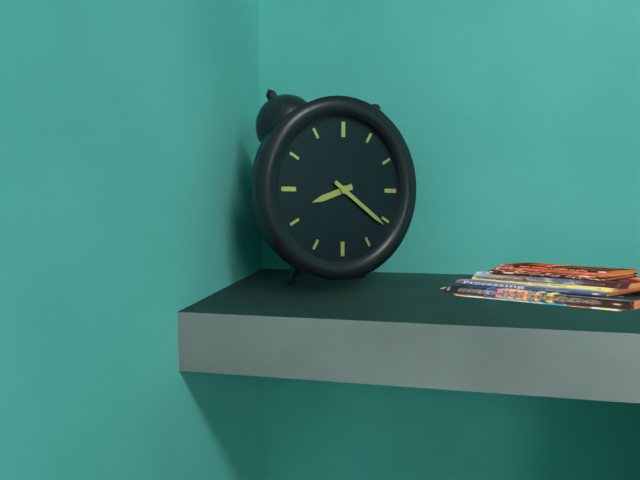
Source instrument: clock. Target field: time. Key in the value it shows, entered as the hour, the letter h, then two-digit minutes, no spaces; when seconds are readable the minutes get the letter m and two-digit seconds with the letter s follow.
8h21
